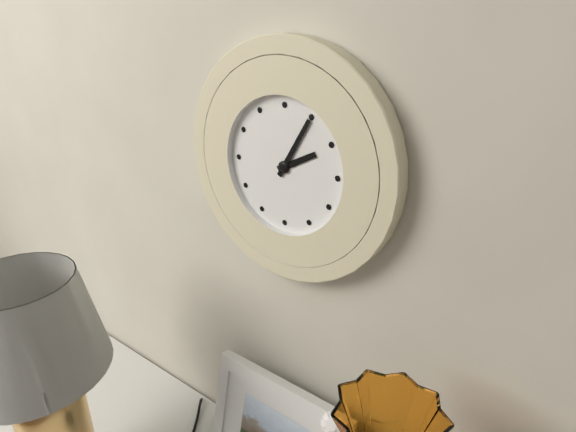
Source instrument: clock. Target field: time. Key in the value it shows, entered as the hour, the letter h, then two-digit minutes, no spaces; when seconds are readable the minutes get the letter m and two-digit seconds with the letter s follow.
2h05
